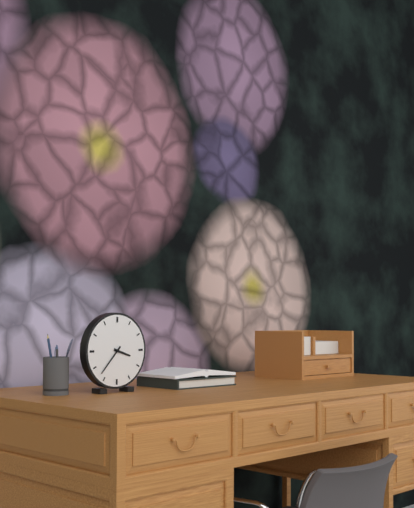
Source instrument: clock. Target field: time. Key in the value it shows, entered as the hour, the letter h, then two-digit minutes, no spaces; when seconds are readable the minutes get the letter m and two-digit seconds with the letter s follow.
3h37
